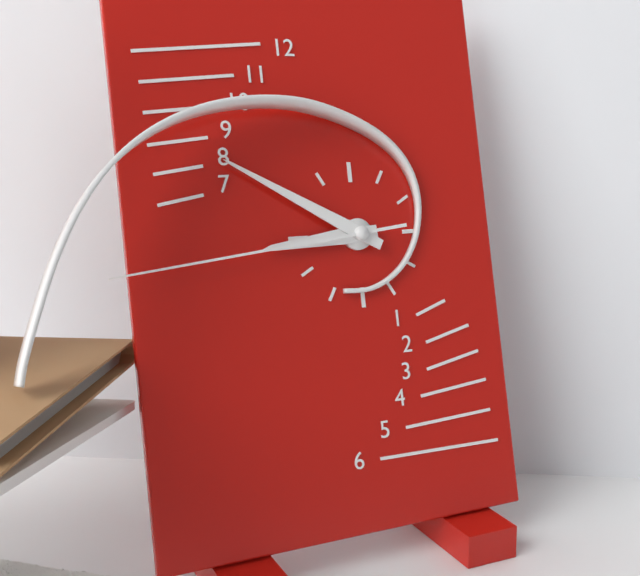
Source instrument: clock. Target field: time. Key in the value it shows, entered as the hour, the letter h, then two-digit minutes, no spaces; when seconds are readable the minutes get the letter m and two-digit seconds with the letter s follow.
8h50m44s
